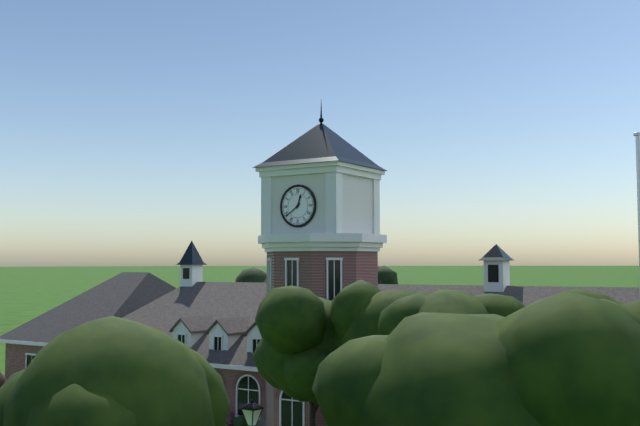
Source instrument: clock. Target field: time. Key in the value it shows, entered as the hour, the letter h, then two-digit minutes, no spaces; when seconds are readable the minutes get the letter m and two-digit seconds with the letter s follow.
12h39
